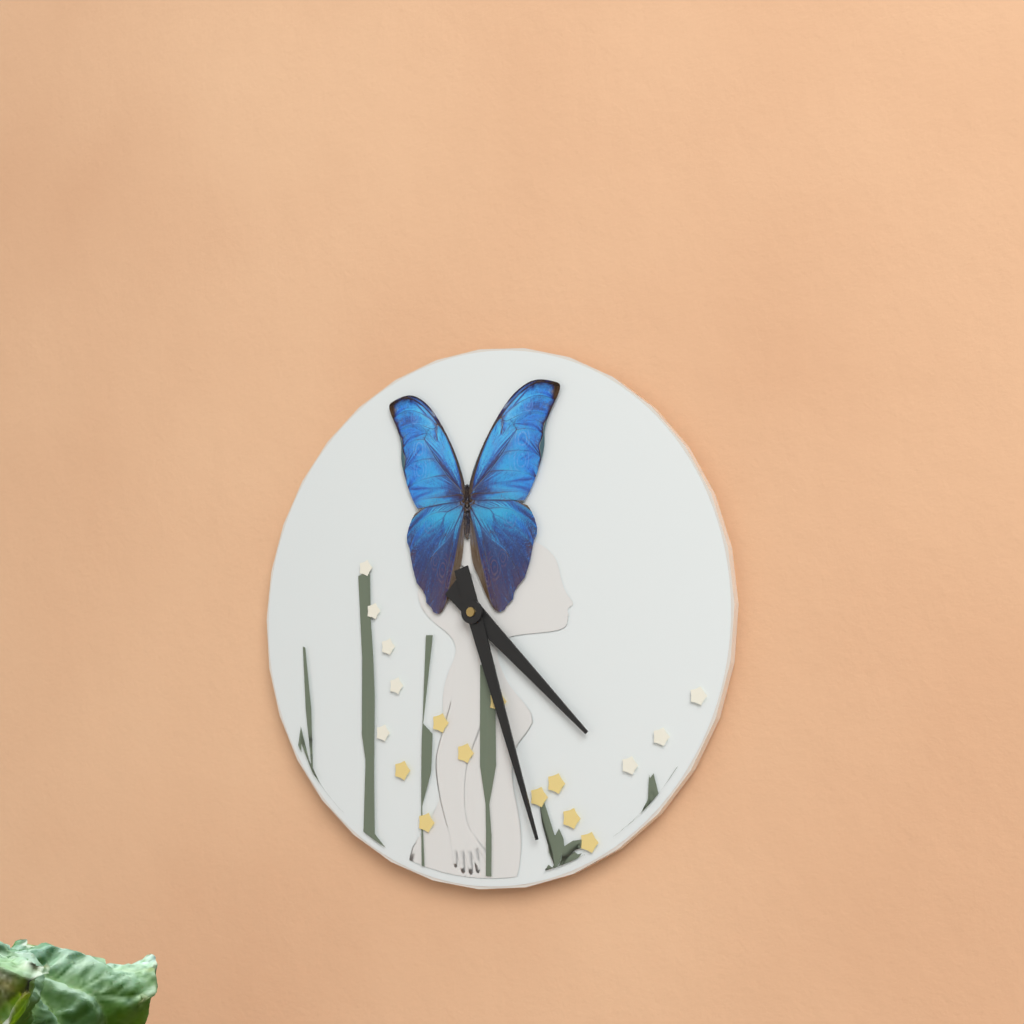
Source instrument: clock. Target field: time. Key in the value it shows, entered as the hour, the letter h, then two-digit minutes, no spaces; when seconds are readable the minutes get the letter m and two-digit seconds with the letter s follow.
4h27
